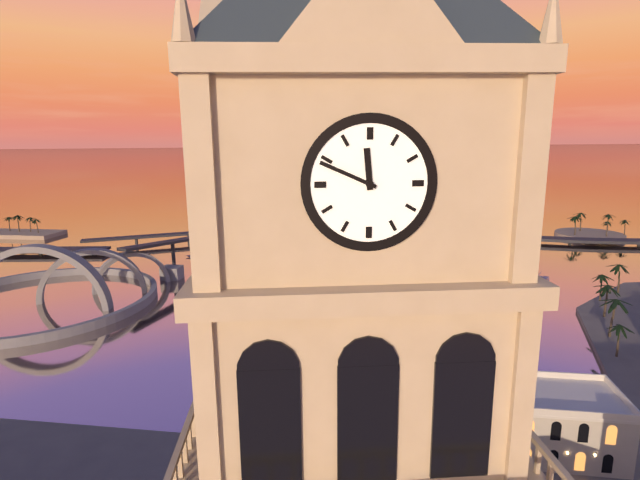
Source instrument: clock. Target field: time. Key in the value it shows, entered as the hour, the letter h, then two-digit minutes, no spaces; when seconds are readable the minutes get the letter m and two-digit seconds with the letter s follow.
11h49
